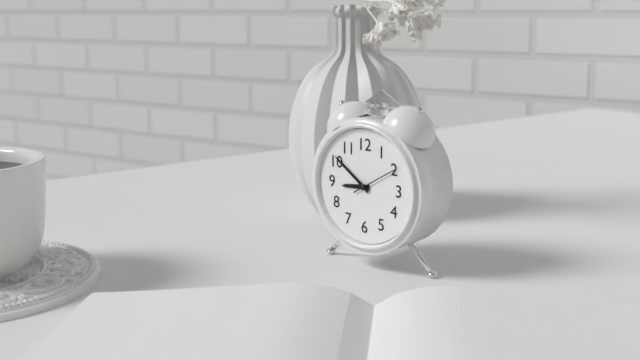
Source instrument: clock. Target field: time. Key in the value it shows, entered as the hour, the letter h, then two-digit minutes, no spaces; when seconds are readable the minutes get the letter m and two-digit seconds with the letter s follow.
8h51m10s
